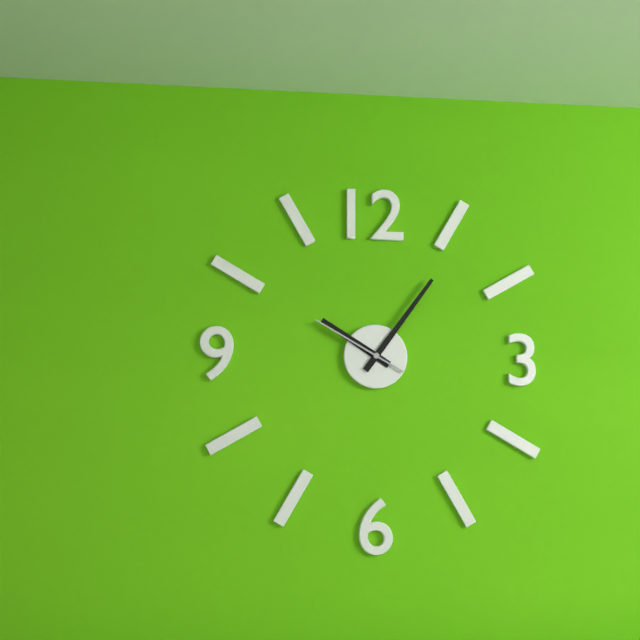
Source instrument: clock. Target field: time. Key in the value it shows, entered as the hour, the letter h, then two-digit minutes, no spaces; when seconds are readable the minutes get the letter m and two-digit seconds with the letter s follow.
10h06m50s
